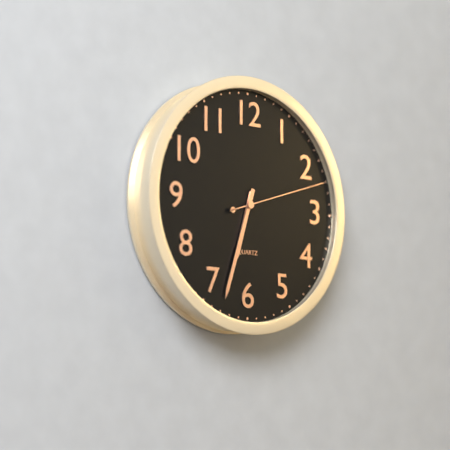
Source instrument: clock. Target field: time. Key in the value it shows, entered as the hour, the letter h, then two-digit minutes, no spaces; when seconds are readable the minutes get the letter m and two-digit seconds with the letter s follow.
6h33m12s
